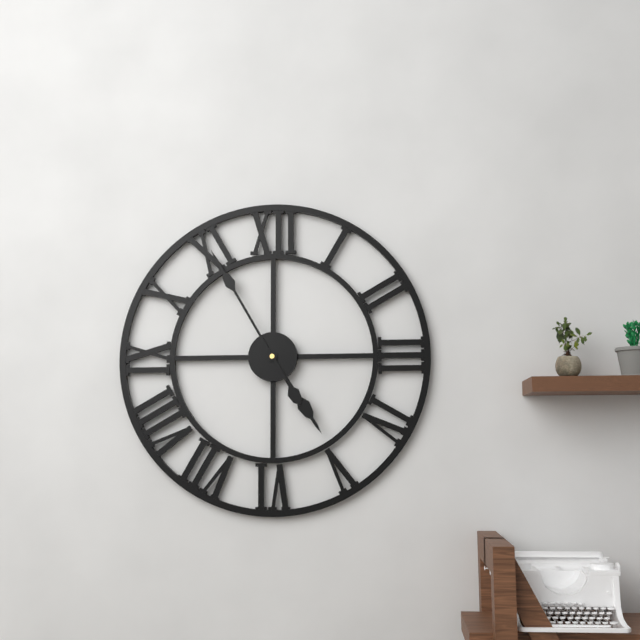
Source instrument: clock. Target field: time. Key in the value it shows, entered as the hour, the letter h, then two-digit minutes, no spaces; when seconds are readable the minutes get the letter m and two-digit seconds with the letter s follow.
4h55
